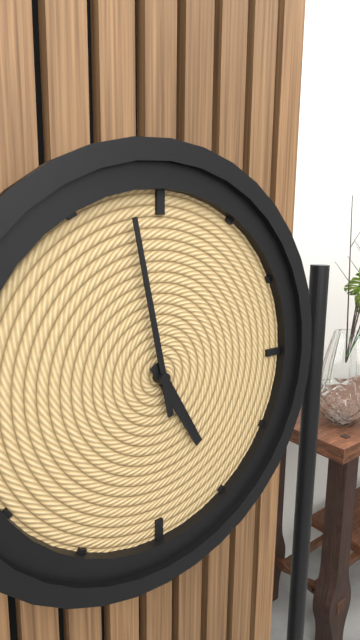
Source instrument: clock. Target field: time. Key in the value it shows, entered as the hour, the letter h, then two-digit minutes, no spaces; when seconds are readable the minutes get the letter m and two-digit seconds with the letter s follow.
4h58
